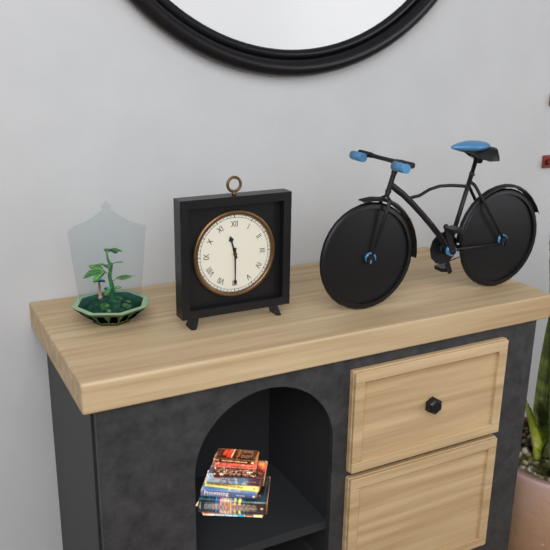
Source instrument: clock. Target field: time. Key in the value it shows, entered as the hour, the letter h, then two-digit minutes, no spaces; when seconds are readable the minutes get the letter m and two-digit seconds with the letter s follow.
11h30
